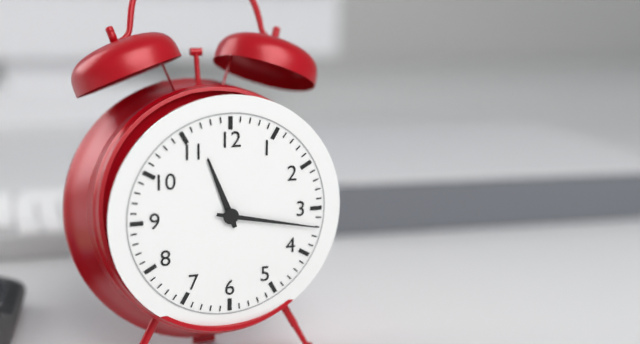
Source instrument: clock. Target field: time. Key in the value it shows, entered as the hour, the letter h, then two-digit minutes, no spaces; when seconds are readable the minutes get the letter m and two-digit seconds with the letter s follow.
11h17
